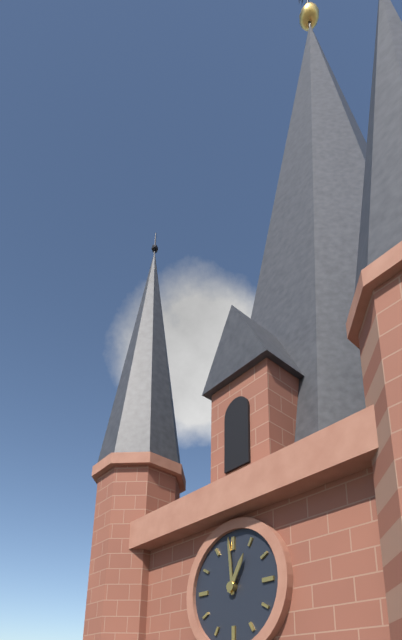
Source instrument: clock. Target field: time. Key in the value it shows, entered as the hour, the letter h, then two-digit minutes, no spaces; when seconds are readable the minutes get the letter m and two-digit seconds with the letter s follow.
12h59
